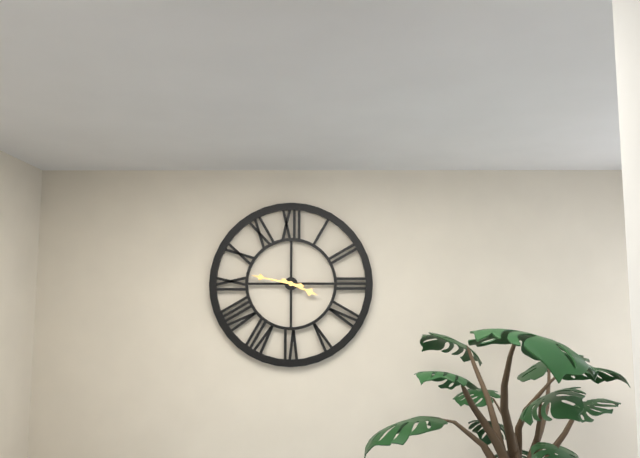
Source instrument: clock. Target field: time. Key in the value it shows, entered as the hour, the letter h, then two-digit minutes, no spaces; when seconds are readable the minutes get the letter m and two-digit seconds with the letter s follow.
3h47
